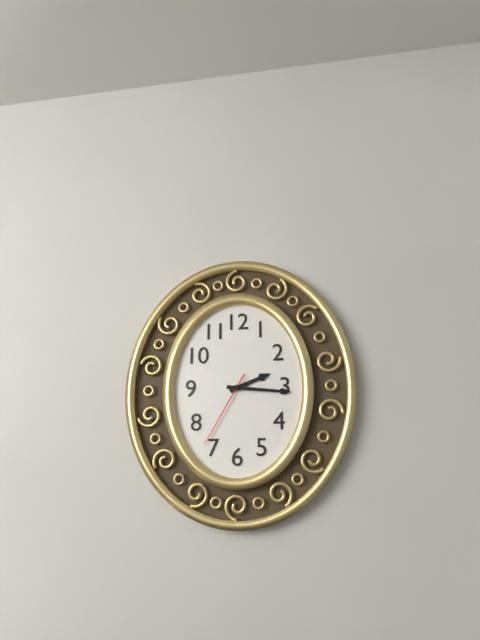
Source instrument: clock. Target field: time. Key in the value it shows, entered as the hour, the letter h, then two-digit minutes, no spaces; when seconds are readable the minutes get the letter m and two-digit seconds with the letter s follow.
2h16m35s
